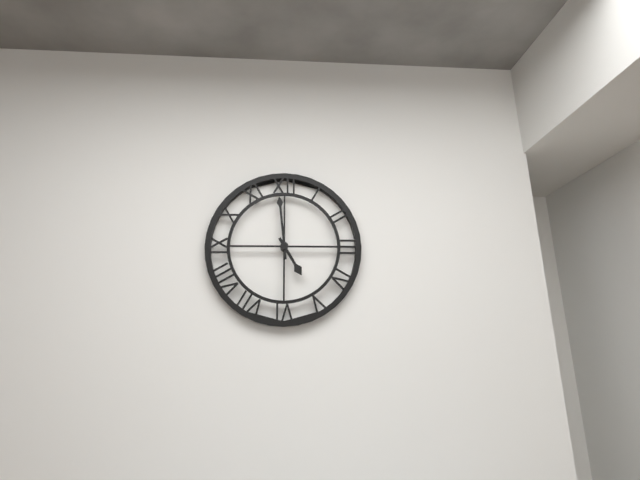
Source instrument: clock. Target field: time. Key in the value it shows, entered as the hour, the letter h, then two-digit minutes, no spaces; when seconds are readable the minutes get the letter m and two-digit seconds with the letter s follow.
4h59
